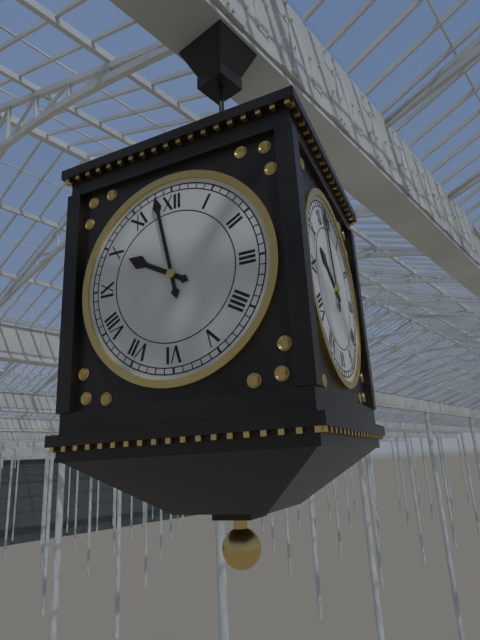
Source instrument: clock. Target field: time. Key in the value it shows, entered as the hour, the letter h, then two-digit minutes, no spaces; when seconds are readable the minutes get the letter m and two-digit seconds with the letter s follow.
9h58
